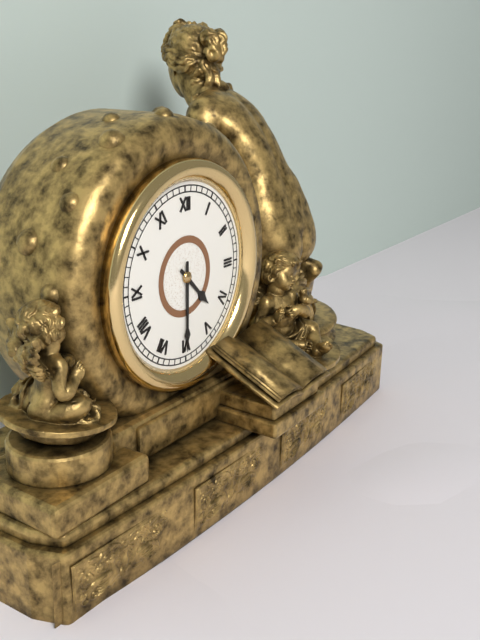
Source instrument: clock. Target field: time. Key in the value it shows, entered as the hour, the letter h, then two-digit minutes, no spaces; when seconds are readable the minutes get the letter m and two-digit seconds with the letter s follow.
4h30
